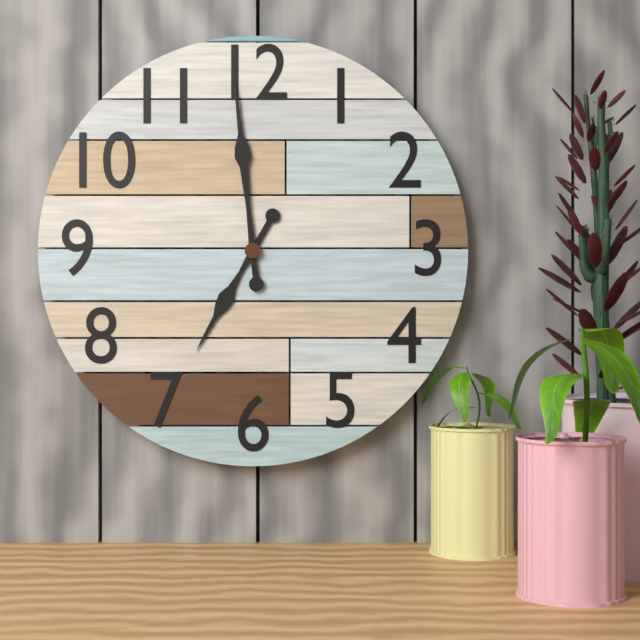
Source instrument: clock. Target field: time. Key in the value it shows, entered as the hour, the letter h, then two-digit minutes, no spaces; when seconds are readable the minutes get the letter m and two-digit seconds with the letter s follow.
6h59
